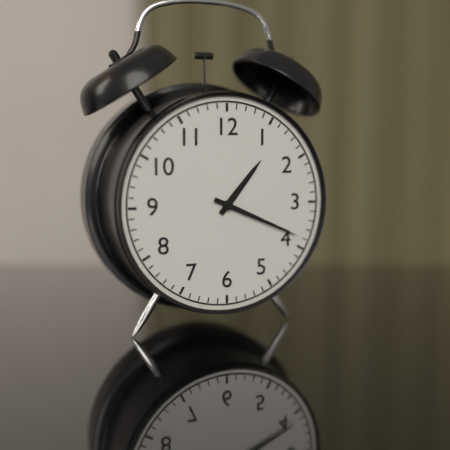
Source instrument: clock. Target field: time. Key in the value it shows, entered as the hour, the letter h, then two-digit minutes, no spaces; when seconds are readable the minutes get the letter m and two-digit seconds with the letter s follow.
1h19
